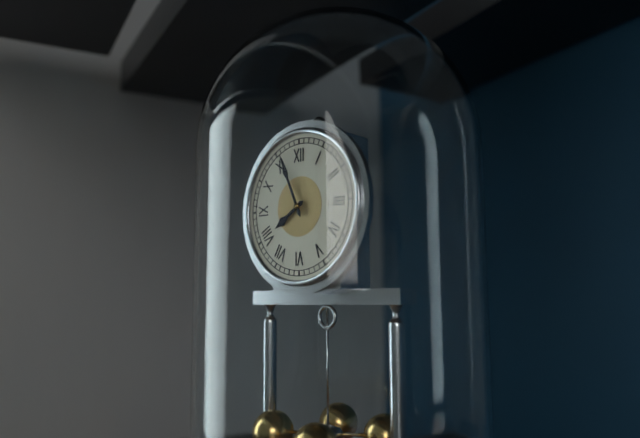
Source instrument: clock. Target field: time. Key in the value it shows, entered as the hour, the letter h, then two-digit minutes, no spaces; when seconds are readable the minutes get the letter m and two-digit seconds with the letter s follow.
7h56
